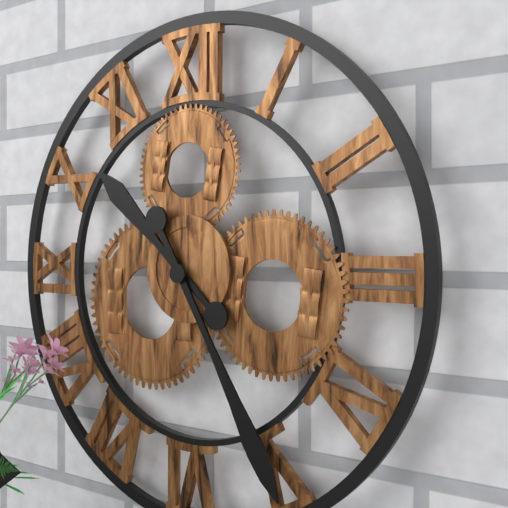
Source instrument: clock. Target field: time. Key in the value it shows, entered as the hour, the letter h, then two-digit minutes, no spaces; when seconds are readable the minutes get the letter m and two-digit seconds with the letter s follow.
10h25
